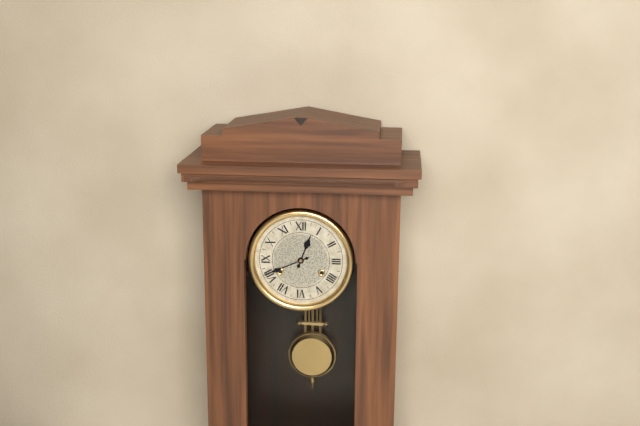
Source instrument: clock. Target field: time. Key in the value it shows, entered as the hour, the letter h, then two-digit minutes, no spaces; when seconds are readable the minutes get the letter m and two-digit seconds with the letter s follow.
12h41
